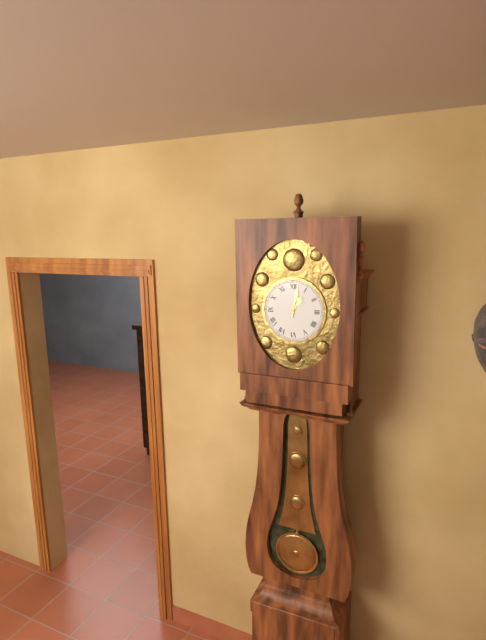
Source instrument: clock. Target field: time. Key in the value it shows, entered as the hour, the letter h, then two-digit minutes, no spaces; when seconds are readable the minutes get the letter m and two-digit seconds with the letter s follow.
1h02
